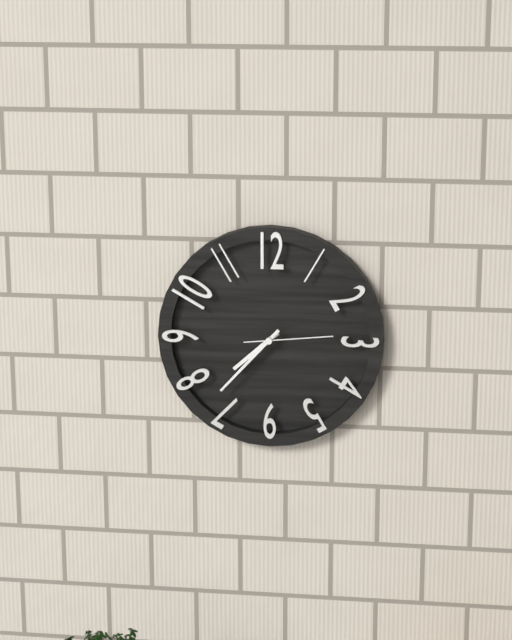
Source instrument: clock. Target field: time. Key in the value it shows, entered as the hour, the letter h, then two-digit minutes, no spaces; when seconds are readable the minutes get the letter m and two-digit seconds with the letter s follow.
7h37m14s
